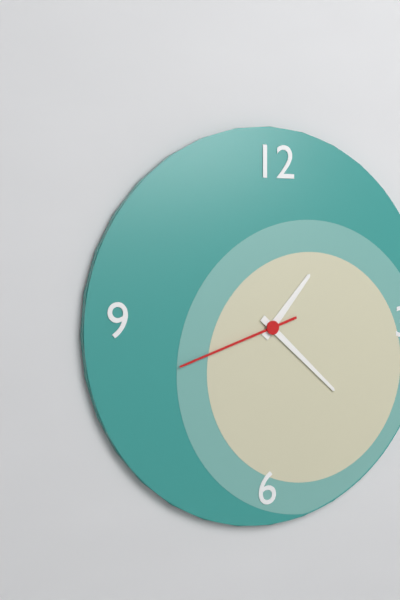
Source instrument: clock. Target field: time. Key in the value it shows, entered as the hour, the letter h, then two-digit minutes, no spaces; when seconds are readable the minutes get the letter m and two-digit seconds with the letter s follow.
1h22m42s
